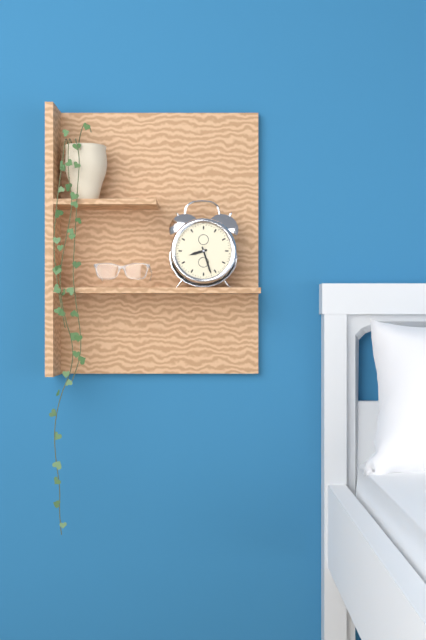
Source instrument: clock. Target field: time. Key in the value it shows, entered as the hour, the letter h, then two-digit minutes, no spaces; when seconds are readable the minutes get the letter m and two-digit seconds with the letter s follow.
8h27
